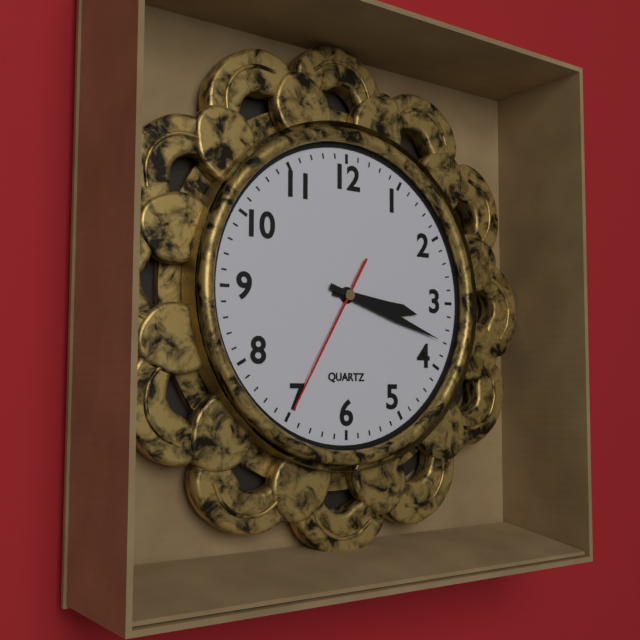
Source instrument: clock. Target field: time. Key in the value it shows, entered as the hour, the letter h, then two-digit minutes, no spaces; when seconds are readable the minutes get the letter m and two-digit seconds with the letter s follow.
3h18m35s
